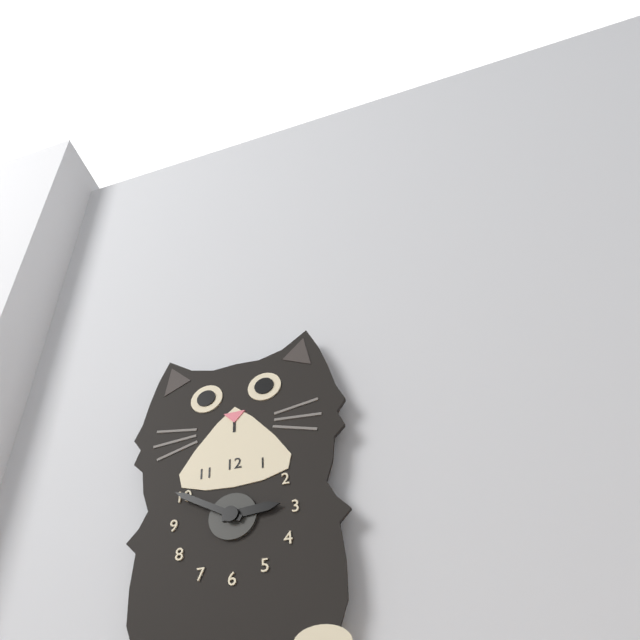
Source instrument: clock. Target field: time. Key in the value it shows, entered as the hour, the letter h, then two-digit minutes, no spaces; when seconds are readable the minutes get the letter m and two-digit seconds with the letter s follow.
2h50
